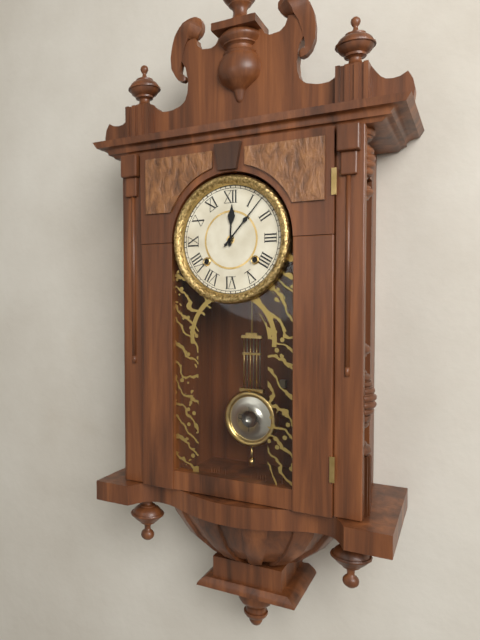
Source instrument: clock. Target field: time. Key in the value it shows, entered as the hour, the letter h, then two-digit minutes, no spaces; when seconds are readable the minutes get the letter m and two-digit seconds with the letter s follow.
12h07
